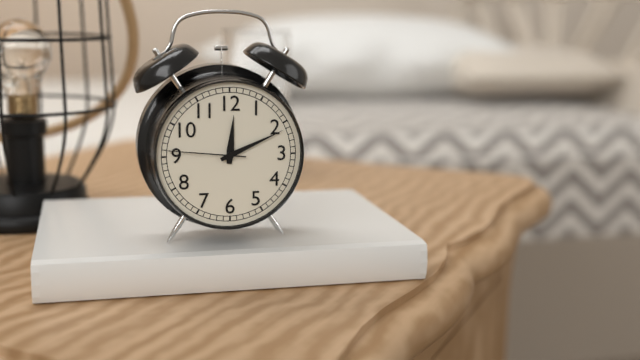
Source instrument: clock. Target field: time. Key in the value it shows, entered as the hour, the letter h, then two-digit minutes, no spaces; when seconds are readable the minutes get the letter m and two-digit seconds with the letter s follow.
12h11m46s
